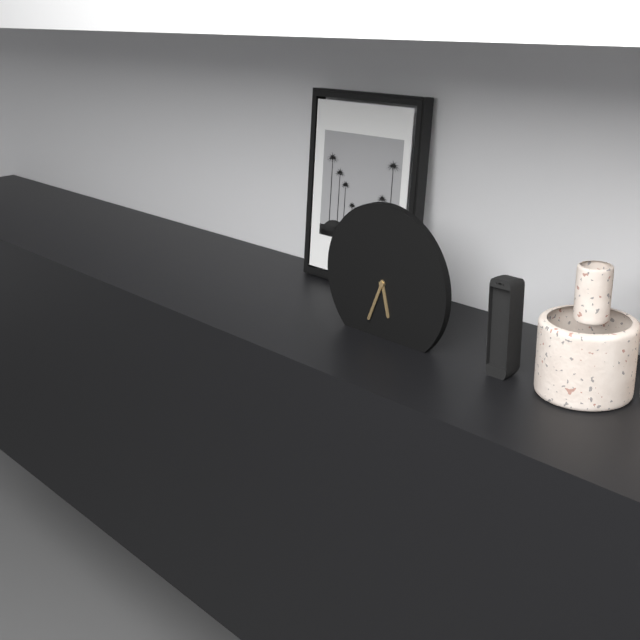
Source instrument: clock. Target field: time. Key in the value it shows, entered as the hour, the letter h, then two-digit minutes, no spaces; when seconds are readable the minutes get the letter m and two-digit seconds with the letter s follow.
5h34
